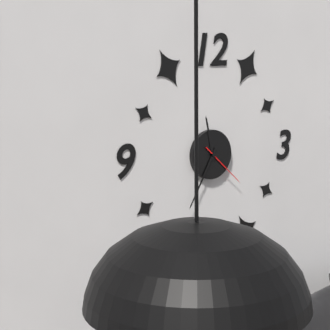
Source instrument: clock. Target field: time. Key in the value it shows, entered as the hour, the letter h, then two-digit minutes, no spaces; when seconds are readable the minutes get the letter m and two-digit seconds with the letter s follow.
11h35
